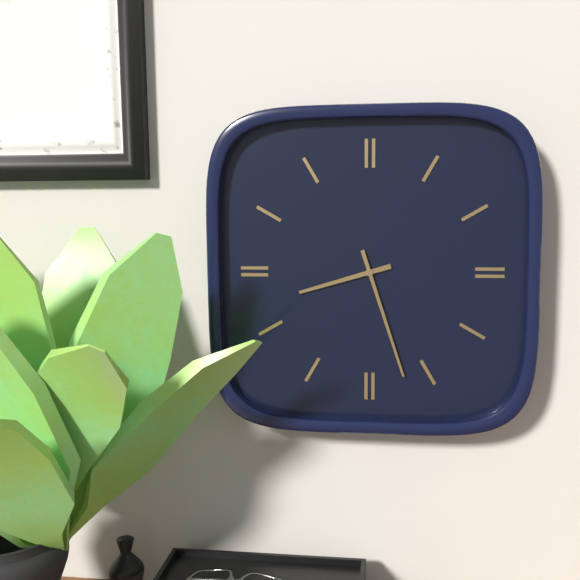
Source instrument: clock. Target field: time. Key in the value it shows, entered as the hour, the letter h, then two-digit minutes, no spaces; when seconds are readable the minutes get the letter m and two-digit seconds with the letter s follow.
8h27
